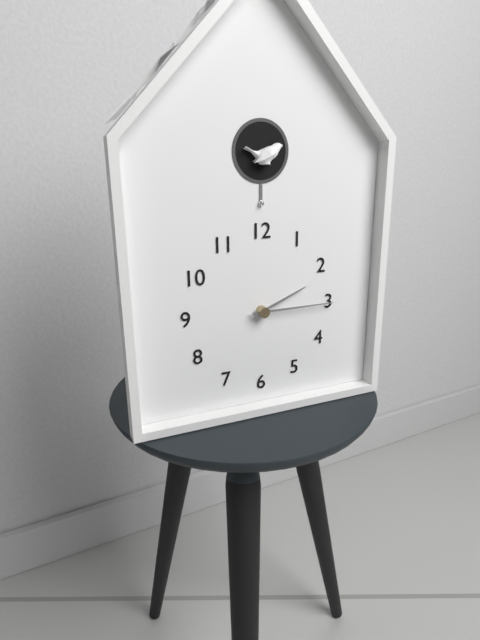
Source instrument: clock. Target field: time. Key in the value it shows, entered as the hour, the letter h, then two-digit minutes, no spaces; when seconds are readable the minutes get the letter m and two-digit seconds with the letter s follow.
2h15
